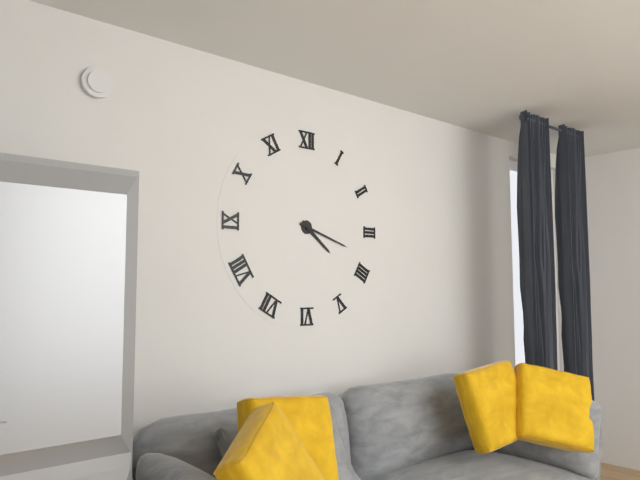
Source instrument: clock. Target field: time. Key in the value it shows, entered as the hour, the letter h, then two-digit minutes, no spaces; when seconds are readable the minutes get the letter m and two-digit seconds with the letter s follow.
4h18
